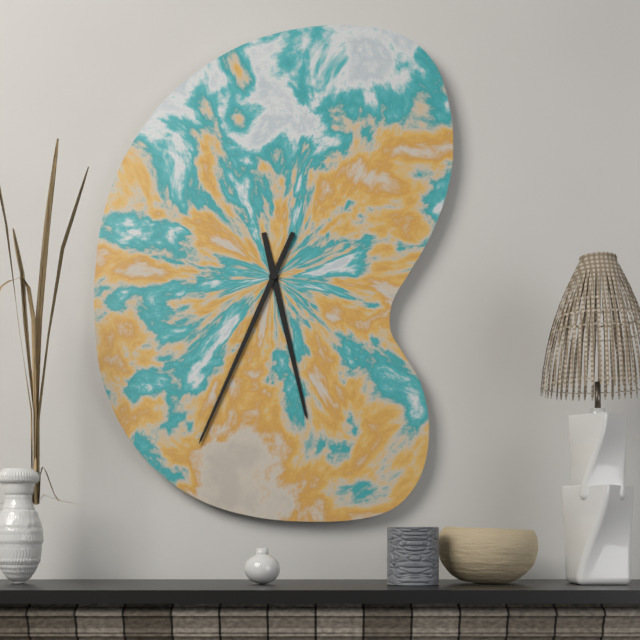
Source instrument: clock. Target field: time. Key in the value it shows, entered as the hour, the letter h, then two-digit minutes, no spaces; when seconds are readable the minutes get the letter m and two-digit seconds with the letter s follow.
5h34
